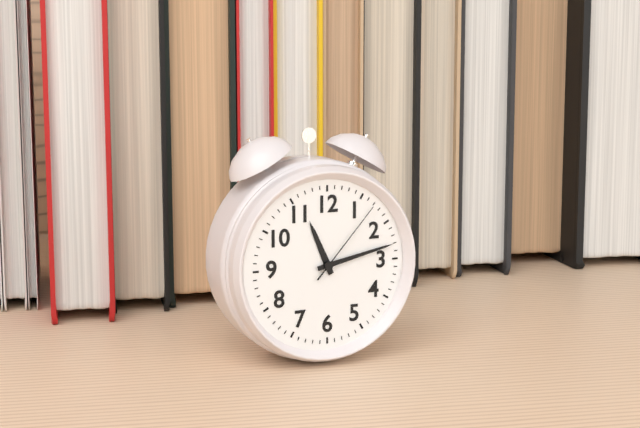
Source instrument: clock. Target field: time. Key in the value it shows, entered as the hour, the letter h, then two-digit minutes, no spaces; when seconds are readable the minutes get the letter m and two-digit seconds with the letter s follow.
11h13m07s
